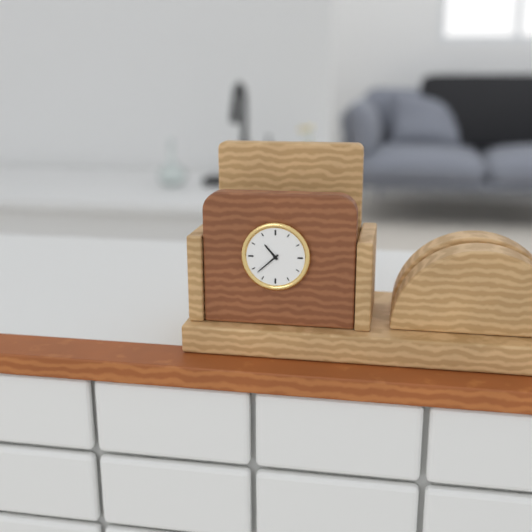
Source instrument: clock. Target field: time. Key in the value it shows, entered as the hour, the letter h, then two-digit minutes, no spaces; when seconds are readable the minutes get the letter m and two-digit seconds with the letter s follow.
10h38
